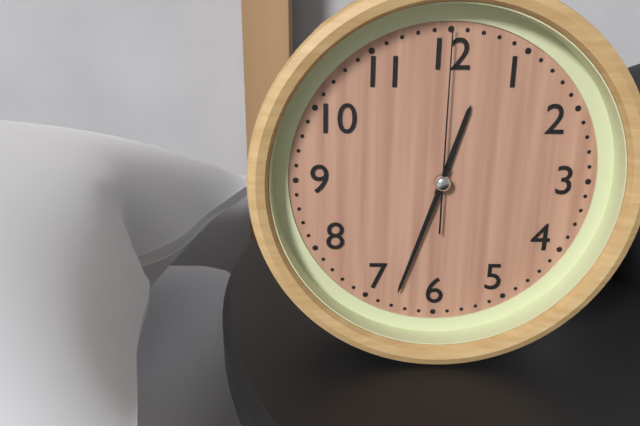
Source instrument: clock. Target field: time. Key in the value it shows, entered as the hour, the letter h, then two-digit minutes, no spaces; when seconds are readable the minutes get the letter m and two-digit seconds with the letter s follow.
12h33m00s
